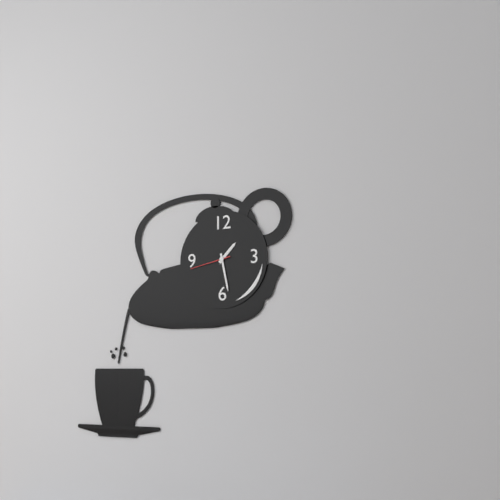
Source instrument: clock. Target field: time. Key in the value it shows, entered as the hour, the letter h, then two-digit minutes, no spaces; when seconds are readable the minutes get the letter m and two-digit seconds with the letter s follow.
1h28
